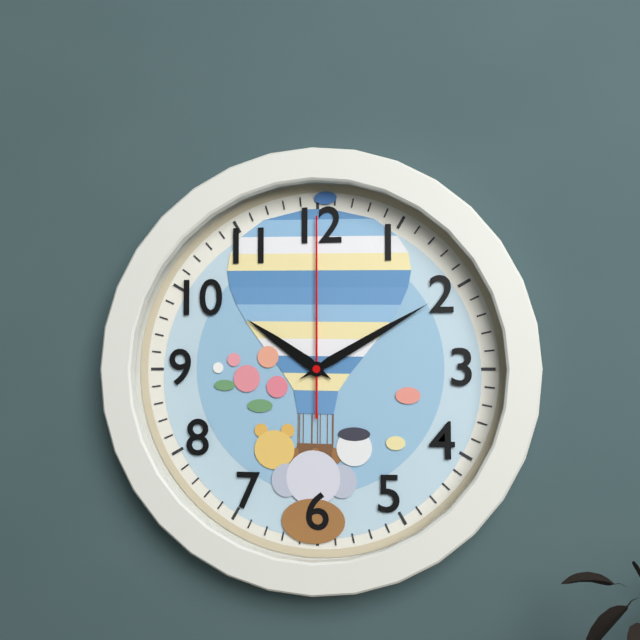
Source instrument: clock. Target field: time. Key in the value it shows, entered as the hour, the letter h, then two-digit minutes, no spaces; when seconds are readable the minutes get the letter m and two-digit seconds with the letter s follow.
10h10m00s
